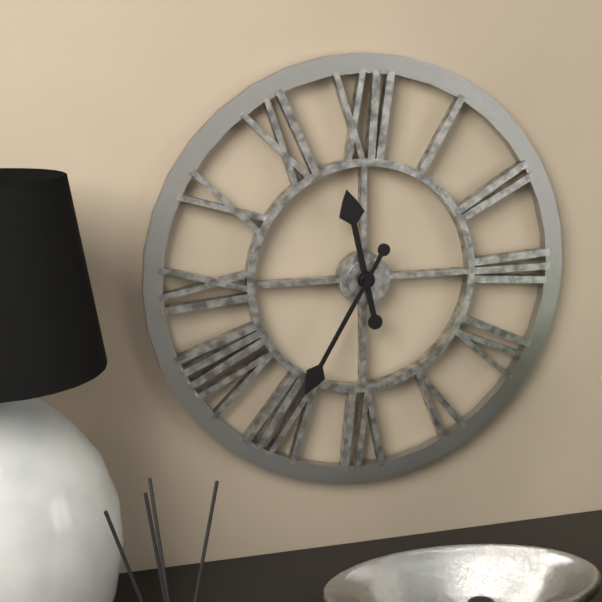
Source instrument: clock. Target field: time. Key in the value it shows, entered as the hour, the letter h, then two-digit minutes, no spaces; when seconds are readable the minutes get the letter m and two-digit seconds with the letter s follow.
11h35
